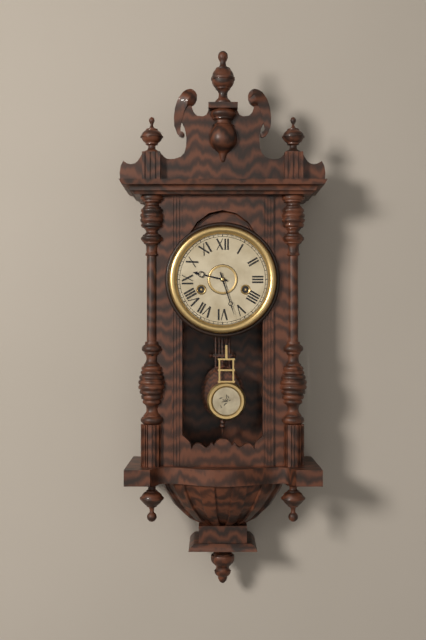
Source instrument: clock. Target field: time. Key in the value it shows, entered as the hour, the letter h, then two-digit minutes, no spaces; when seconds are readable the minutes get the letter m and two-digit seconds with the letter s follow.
9h27
